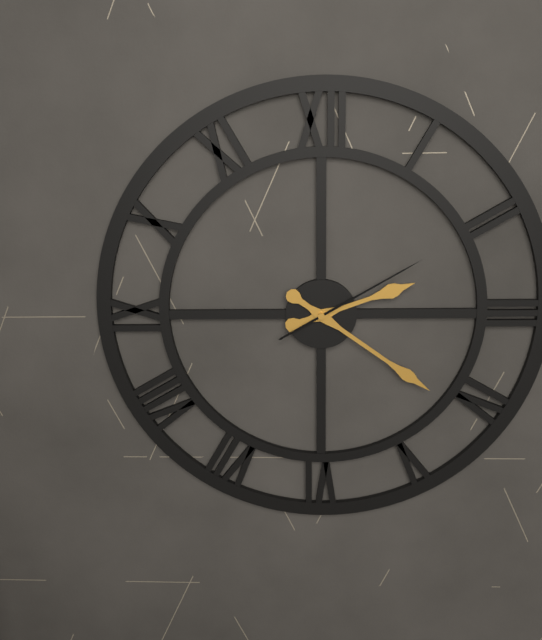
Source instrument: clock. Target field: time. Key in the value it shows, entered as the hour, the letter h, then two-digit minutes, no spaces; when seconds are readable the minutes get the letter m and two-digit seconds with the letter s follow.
2h21m10s
